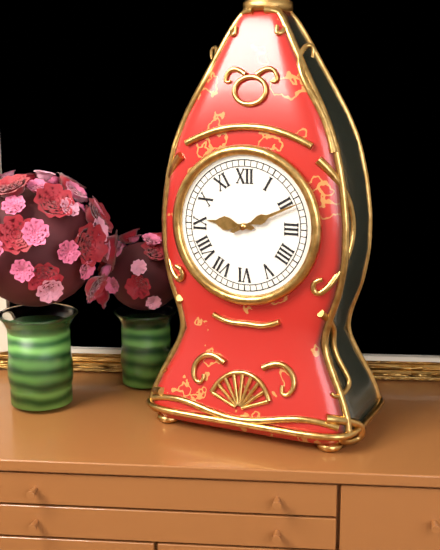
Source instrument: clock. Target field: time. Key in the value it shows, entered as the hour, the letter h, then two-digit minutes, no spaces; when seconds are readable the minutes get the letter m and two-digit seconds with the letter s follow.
9h11
